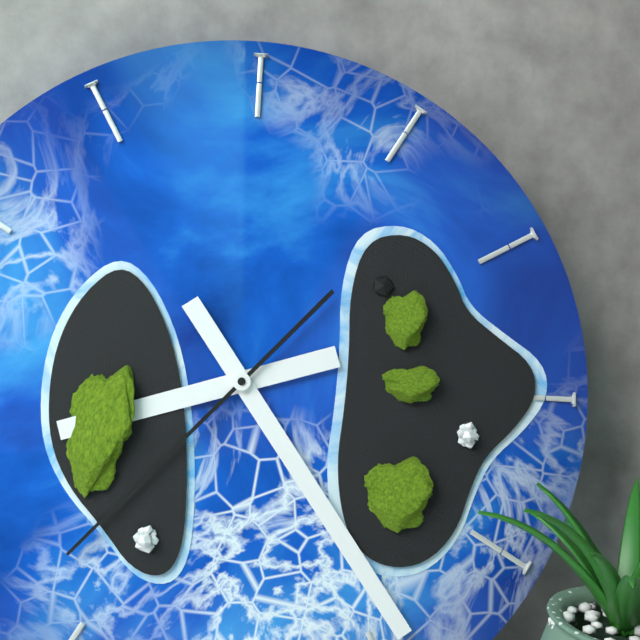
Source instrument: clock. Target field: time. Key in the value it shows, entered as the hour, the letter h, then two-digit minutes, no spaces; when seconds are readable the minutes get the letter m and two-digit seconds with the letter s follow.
8h24m37s
